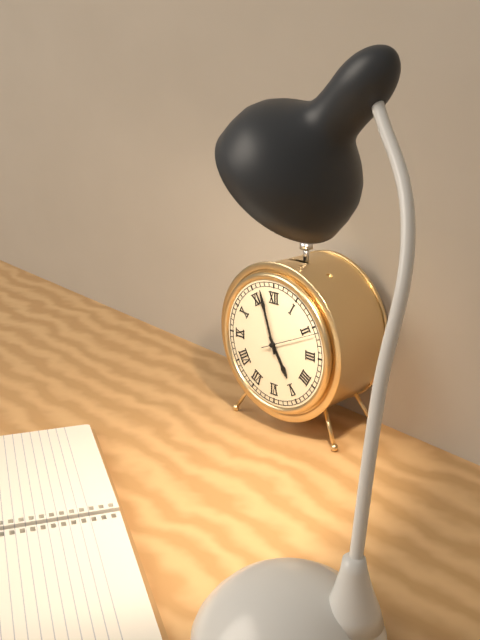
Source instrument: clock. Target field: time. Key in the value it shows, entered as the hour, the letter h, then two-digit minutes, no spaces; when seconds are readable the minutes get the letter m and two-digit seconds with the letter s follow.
4h57
